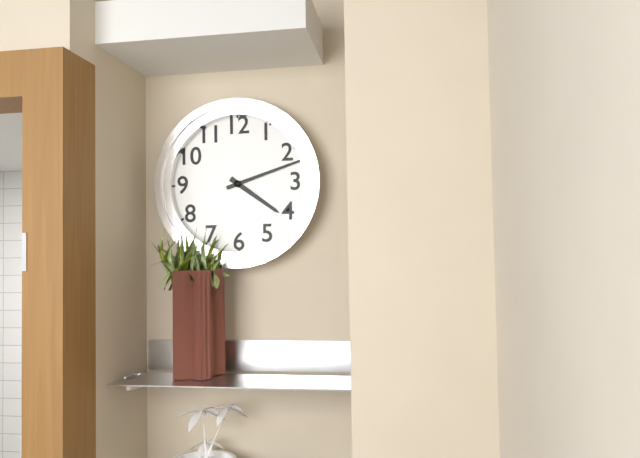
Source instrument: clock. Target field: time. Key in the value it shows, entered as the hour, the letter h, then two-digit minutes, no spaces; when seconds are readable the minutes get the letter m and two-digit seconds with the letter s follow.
4h12
